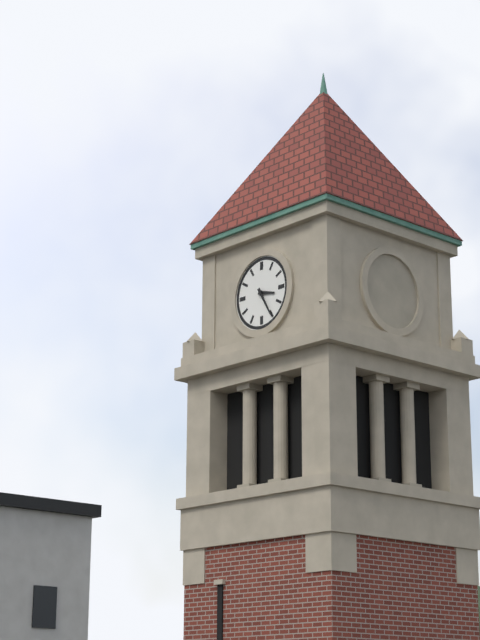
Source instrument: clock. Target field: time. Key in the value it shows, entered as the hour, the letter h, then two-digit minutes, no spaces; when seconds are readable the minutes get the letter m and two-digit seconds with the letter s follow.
3h25
